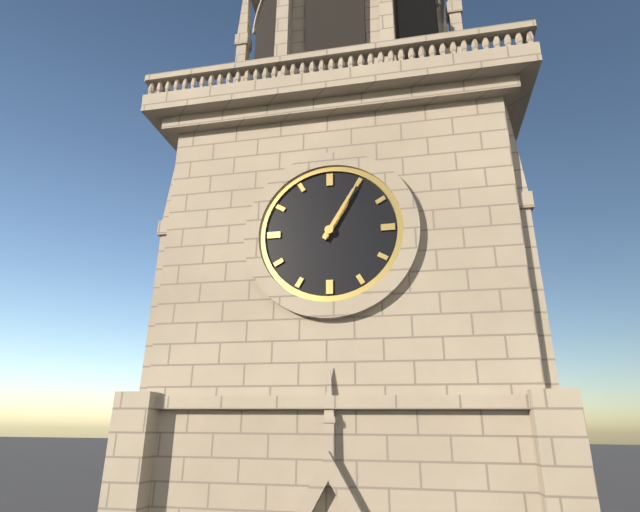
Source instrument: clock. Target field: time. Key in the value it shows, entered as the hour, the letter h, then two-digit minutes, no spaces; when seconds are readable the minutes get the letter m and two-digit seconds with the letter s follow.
1h05
